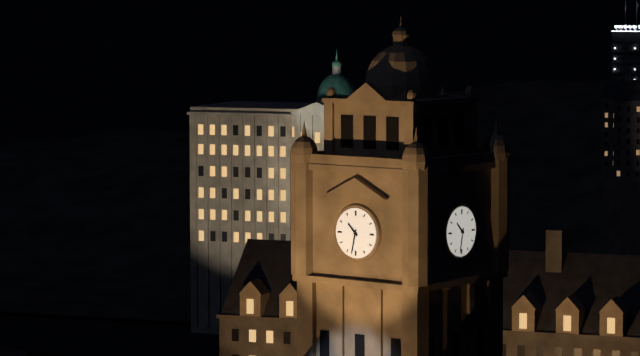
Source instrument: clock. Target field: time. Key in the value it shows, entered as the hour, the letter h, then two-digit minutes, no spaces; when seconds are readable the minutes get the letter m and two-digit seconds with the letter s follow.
10h32
